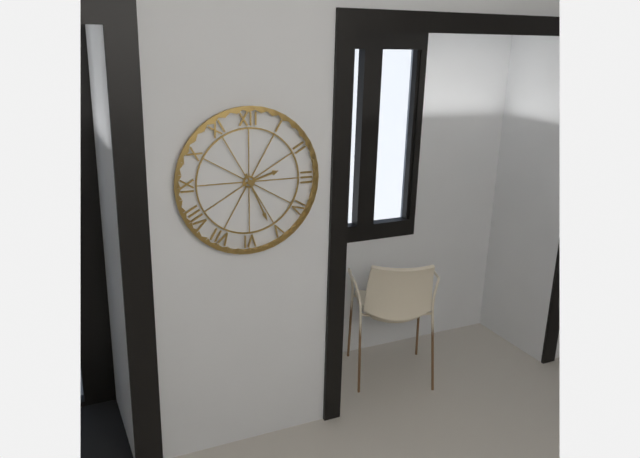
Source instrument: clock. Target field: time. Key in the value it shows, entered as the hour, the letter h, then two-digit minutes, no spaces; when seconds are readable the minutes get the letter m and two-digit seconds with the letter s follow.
2h26
